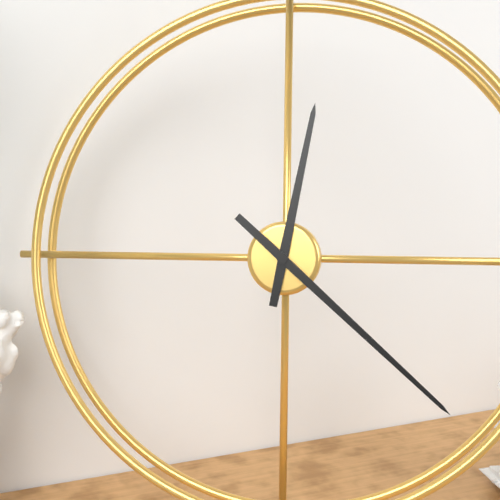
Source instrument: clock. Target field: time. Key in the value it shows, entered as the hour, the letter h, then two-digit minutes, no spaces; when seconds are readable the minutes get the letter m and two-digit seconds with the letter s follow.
12h22
